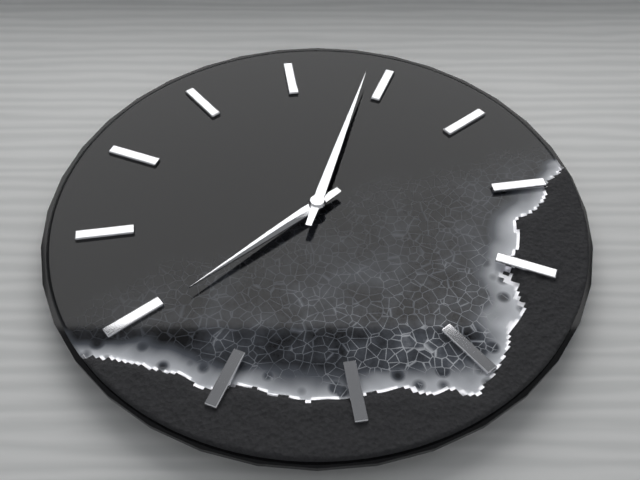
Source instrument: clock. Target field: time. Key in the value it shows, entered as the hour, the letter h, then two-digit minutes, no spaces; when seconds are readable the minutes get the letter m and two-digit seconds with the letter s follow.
5h54
